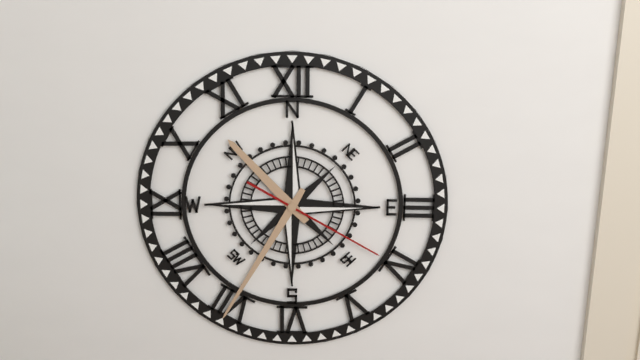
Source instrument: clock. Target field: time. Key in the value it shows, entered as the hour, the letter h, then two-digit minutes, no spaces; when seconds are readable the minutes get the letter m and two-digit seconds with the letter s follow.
10h35m20s
